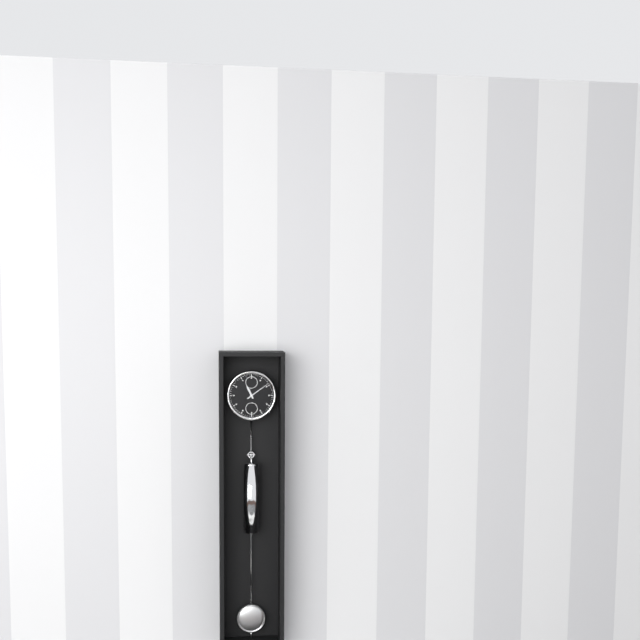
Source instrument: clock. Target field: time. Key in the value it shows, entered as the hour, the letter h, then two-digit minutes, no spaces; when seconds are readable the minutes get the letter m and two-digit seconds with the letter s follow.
11h09
